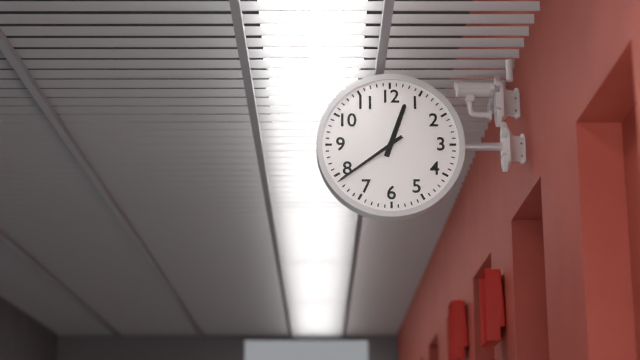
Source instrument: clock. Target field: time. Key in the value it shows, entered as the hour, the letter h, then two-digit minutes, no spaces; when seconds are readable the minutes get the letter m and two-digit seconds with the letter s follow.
12h39
